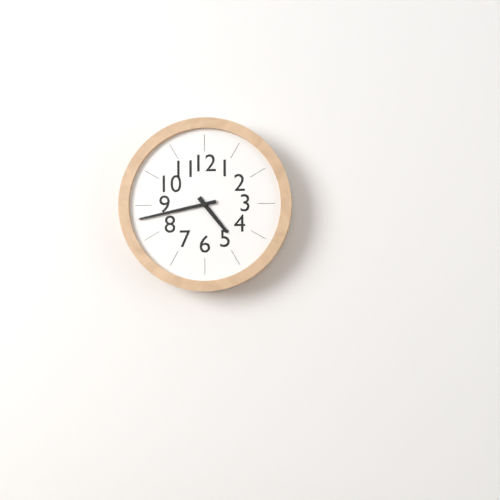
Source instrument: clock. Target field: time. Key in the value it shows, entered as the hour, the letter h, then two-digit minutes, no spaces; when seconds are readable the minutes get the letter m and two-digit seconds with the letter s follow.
4h43
